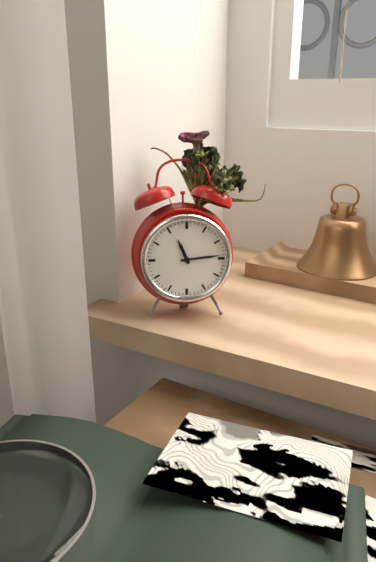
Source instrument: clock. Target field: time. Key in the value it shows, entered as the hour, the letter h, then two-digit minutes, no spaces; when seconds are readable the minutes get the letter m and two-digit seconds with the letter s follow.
11h14
